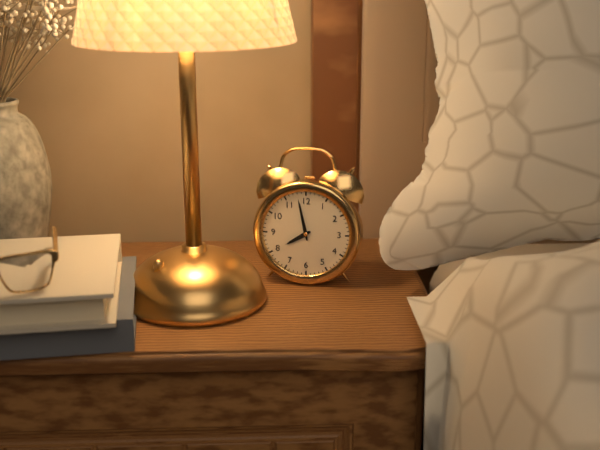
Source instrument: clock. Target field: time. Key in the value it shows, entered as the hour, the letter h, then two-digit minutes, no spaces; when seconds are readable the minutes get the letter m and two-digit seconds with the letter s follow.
7h58
